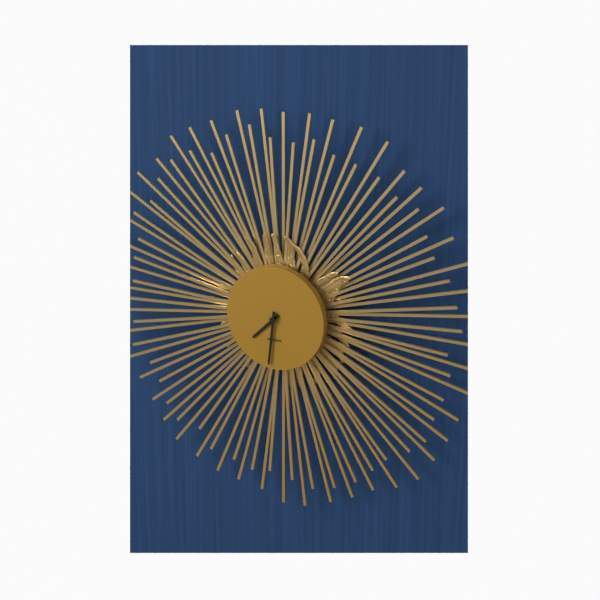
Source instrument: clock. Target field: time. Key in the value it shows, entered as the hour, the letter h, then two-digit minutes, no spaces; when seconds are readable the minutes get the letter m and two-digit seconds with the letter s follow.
7h31
